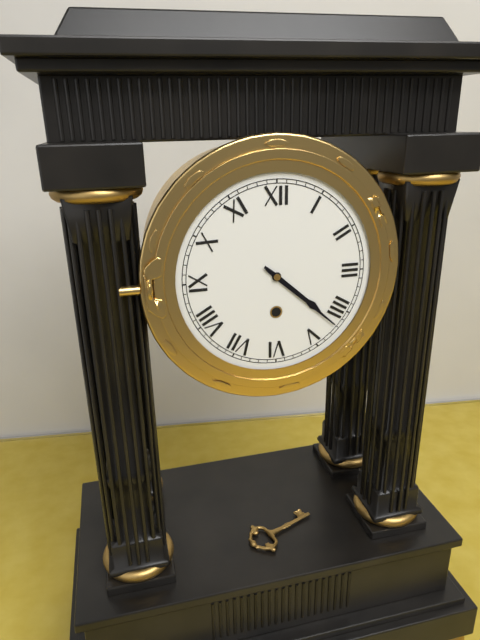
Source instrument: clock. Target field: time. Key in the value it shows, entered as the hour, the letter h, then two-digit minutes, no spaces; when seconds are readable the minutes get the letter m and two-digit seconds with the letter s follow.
4h22
